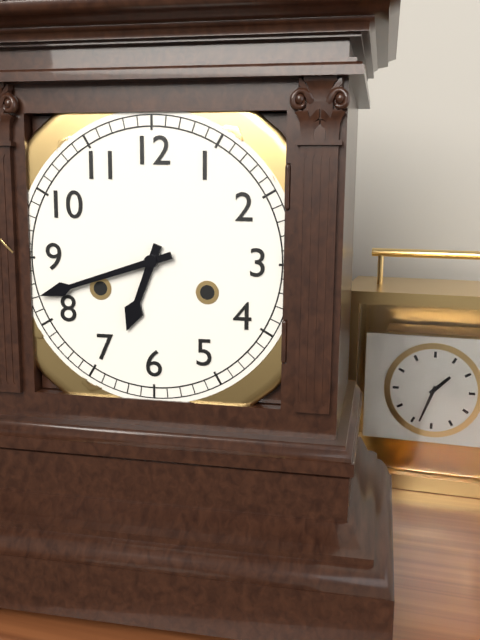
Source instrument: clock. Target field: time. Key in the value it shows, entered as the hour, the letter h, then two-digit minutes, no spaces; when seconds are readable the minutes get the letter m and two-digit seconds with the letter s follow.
6h42
